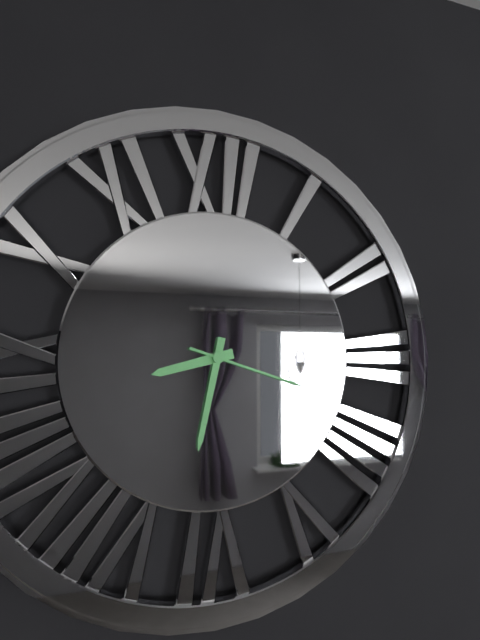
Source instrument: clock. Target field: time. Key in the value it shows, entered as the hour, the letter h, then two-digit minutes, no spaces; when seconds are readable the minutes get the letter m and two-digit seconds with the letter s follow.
8h32m18s
